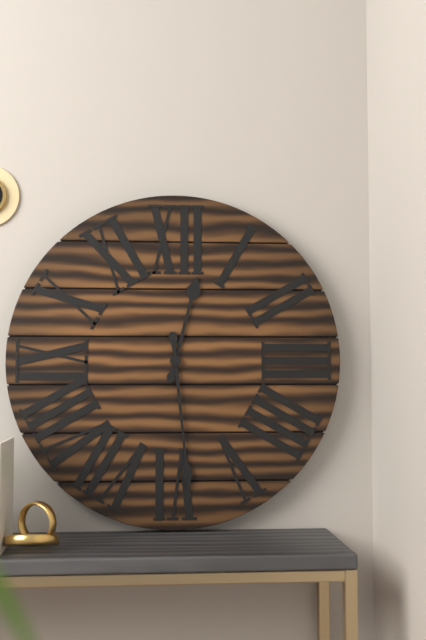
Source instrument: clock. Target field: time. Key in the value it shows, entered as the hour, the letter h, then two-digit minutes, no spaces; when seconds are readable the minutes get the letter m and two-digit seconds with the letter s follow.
12h29
